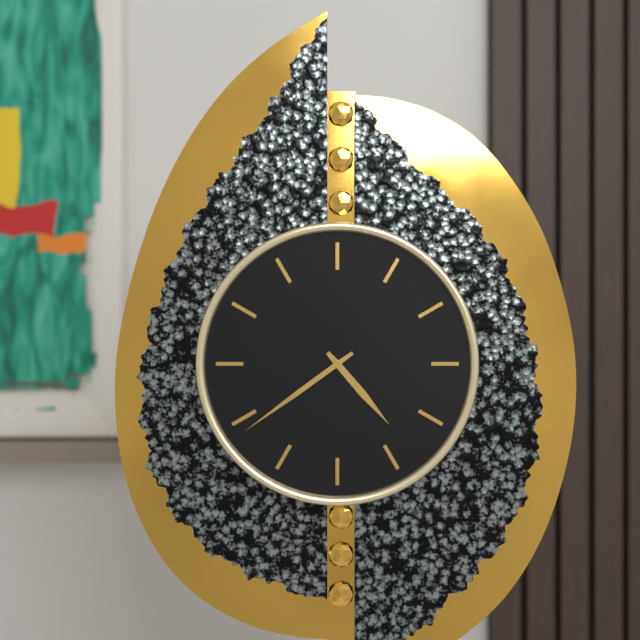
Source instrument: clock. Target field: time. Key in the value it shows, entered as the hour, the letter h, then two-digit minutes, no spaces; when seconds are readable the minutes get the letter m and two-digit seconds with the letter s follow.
4h39
